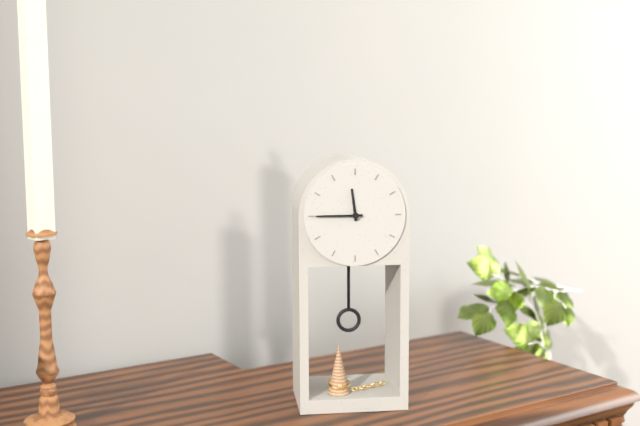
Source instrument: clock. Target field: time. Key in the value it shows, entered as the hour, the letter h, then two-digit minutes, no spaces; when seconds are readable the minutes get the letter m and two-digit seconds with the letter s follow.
11h45
